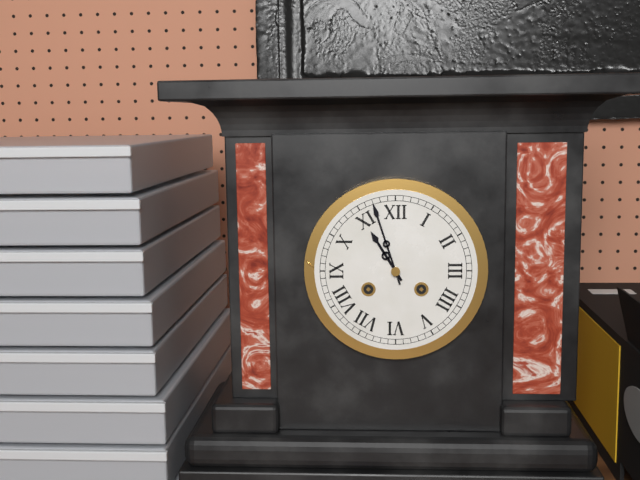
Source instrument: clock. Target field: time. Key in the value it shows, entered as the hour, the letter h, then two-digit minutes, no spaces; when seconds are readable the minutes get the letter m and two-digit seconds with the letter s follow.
10h57
